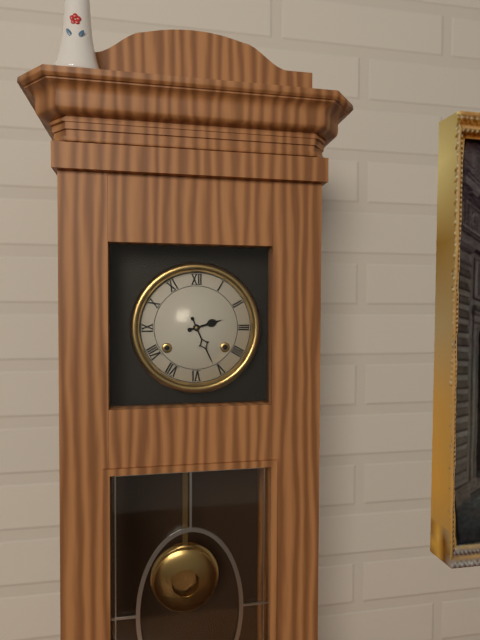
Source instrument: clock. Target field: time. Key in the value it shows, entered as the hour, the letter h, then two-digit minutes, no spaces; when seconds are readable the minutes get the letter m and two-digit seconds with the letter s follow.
2h26
